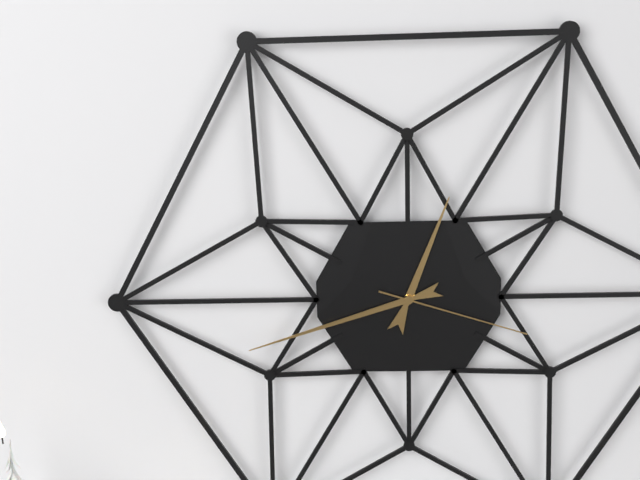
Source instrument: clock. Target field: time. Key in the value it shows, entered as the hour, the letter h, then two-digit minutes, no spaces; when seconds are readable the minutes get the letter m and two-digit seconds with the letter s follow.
12h42m18s
